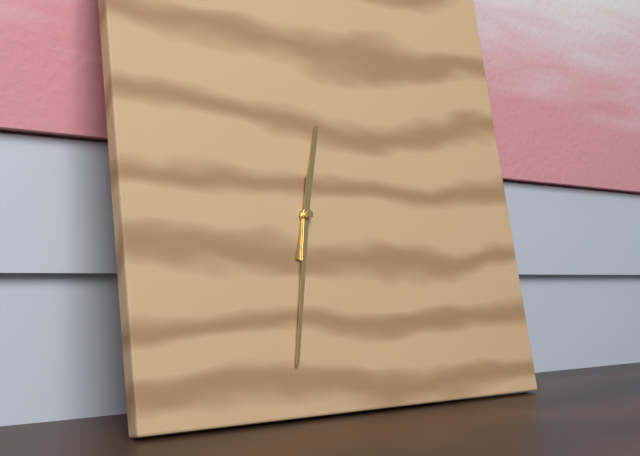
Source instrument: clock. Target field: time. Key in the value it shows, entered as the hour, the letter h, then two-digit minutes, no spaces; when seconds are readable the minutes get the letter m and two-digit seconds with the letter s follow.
12h32
